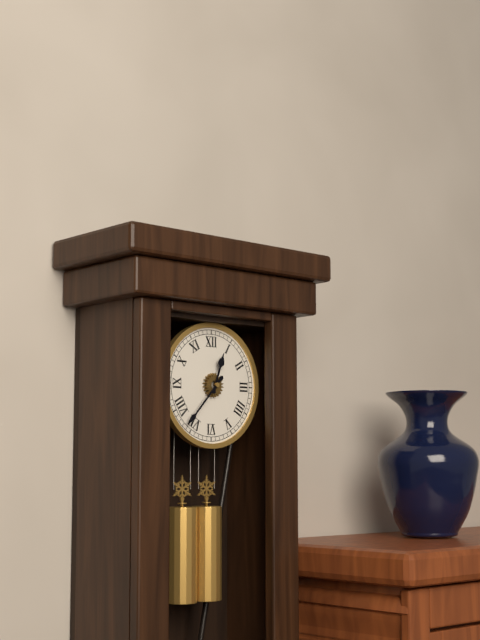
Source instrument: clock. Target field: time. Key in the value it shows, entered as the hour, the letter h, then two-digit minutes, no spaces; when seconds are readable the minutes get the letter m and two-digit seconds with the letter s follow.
12h37
